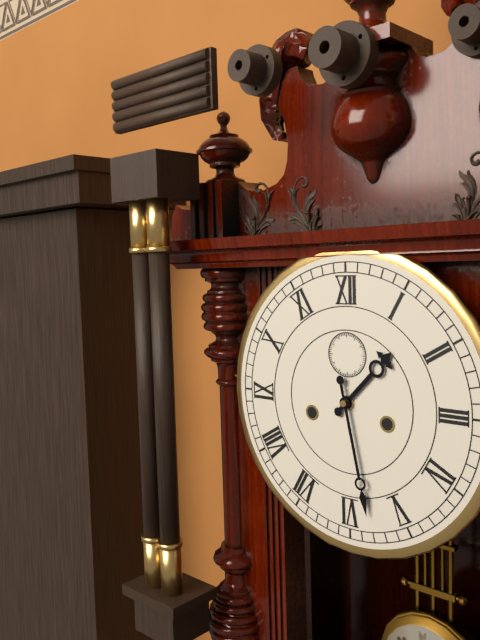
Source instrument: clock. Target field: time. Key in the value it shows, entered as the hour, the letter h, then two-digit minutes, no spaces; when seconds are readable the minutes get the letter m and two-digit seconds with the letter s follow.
1h28
